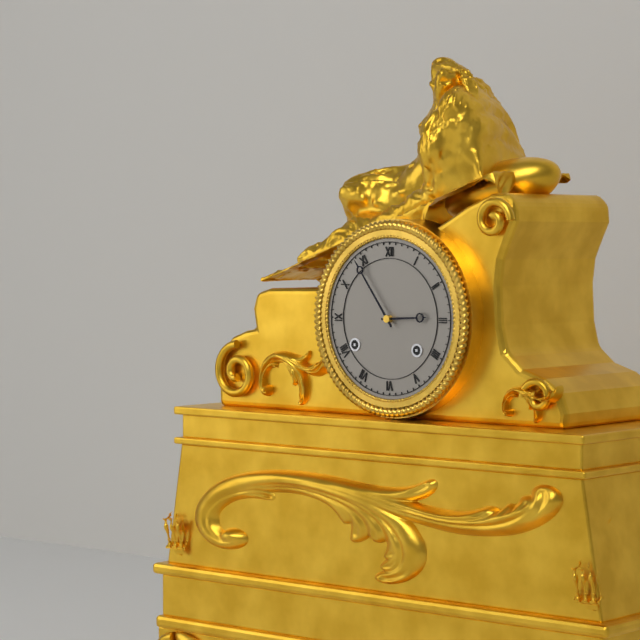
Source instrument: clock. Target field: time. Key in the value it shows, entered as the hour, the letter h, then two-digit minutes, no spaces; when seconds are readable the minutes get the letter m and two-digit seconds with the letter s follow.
2h54
